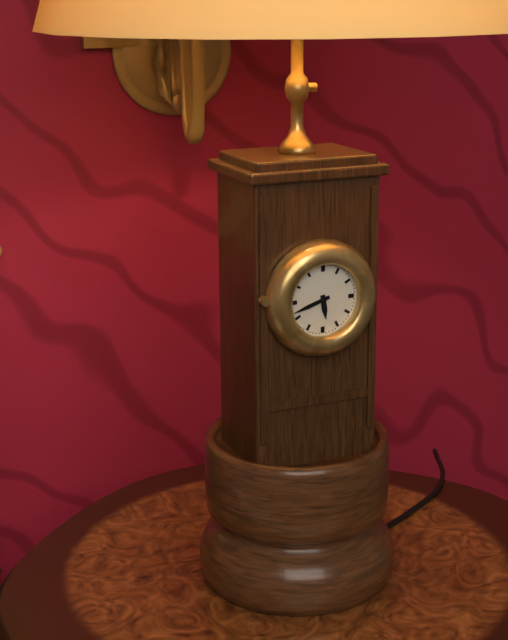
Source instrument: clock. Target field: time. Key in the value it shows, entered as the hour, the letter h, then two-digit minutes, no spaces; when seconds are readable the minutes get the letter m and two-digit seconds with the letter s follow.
5h42
